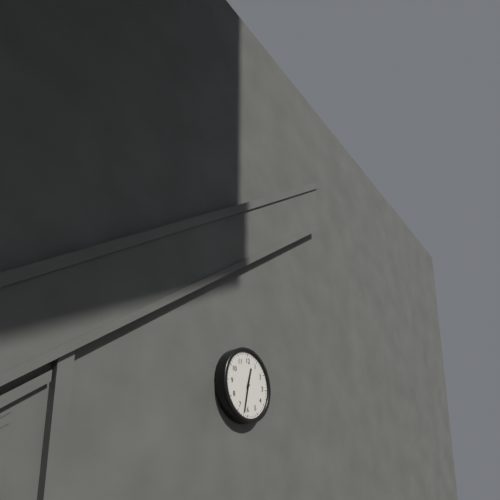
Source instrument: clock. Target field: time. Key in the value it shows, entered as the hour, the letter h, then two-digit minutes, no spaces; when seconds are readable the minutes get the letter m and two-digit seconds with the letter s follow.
12h32
